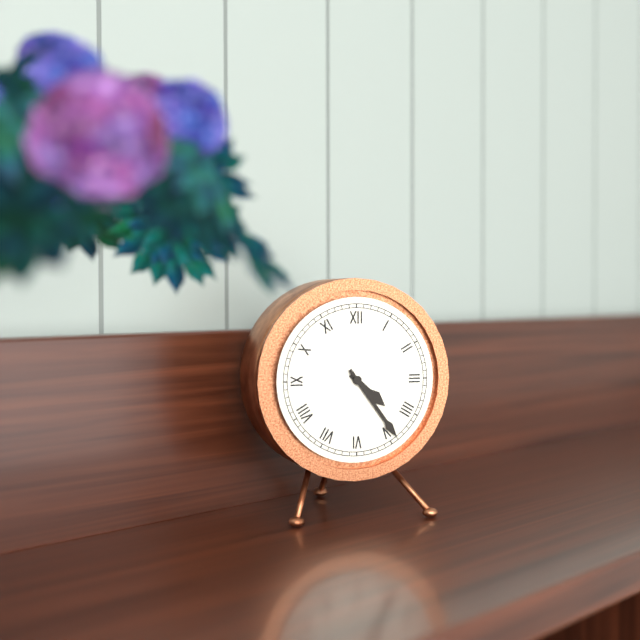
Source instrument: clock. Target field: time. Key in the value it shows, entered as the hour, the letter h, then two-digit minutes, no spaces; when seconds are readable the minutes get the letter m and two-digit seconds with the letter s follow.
4h24
